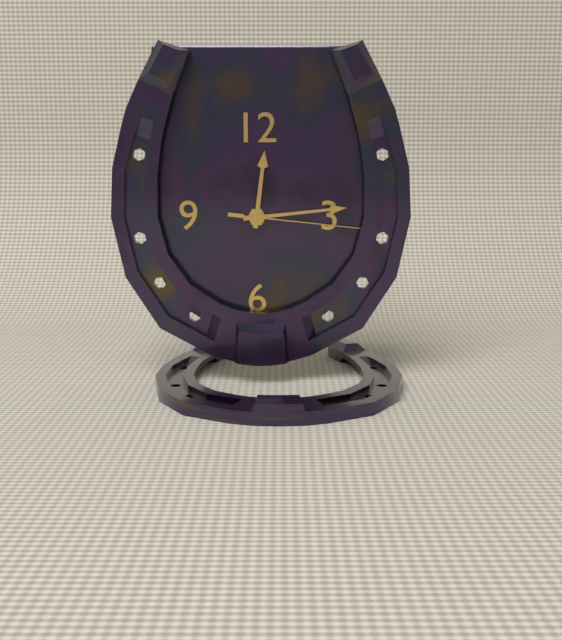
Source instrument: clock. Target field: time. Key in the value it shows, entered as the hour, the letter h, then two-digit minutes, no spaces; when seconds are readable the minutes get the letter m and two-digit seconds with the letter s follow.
12h14m16s
